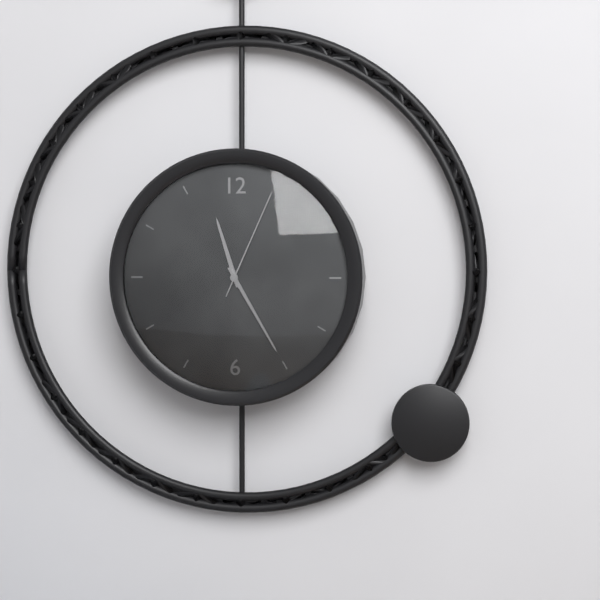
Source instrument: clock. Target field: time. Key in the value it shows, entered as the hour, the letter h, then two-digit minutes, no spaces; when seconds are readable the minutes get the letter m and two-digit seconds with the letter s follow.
11h25m04s
